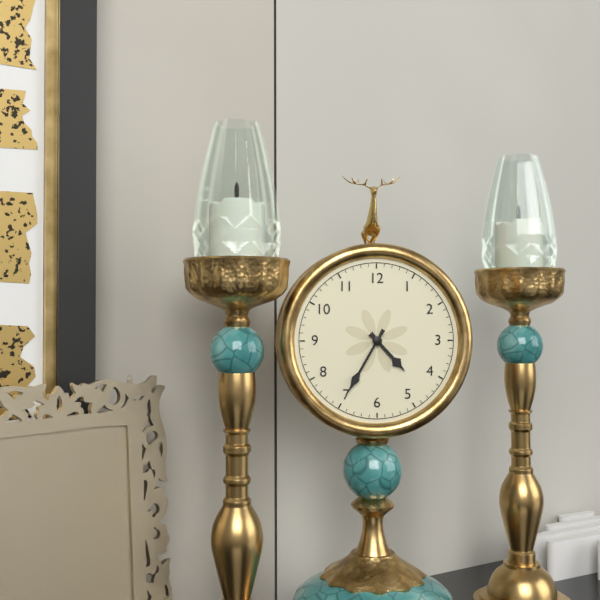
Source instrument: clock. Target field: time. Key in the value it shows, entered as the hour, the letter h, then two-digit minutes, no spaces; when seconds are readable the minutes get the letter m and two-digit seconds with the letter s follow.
4h35
